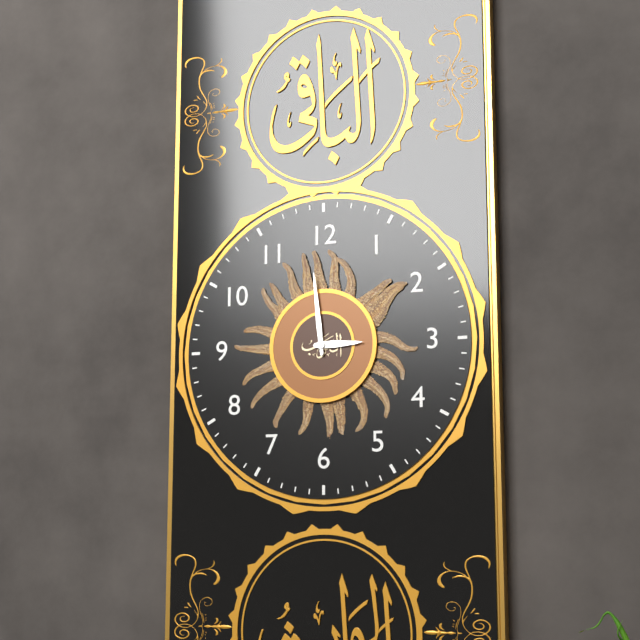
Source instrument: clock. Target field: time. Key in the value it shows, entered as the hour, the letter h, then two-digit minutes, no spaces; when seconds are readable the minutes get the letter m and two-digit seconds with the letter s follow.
2h59
